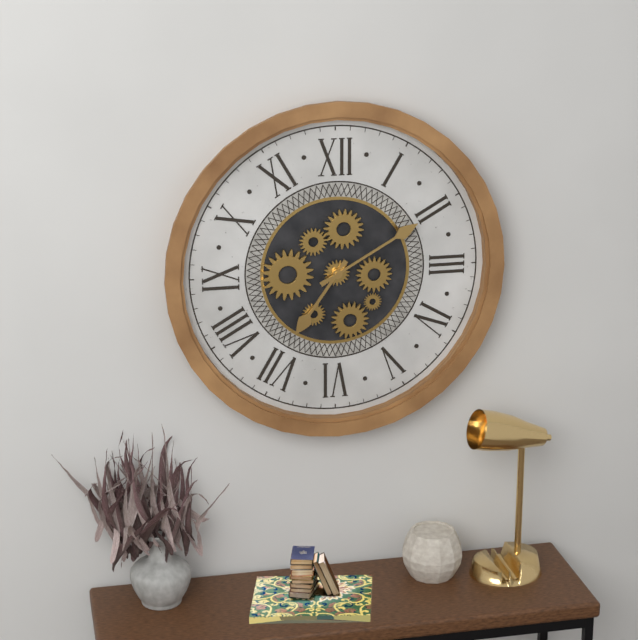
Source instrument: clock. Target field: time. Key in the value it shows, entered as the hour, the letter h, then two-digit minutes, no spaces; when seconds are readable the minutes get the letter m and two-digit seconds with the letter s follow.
7h10
